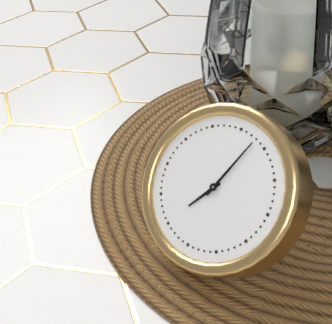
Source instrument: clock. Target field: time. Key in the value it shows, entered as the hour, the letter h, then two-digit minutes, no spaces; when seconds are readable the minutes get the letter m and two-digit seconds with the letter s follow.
7h03
